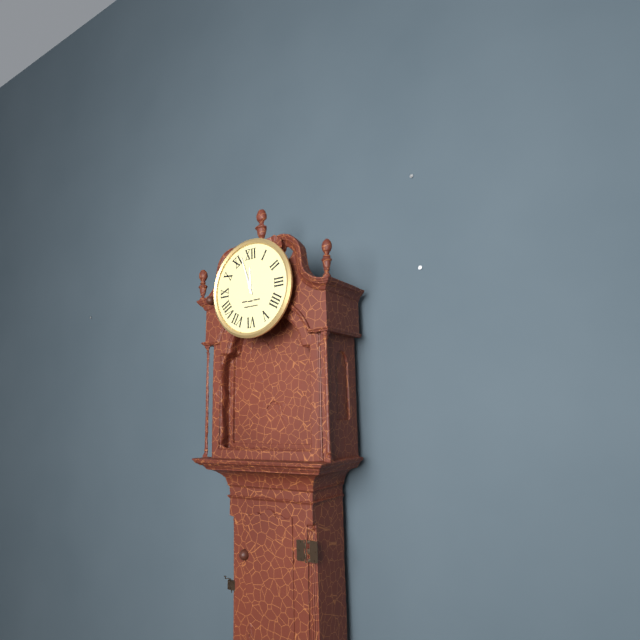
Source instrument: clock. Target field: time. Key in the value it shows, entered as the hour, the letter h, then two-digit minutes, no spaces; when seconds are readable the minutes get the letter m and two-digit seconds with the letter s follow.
11h57
